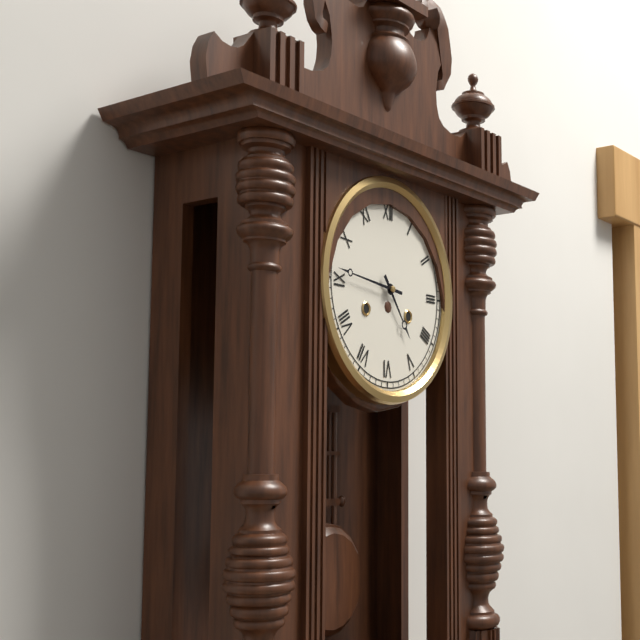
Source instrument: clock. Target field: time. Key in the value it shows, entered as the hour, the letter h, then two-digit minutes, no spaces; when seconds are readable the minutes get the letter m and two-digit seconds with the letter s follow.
4h46
